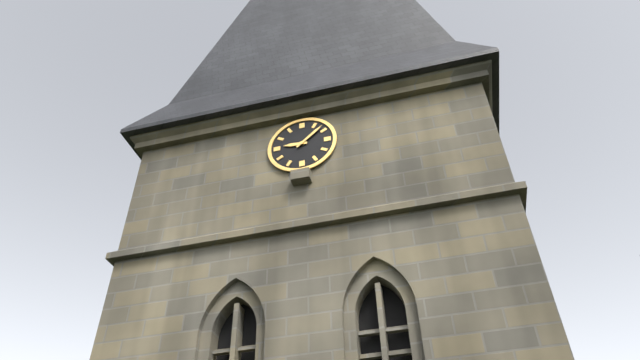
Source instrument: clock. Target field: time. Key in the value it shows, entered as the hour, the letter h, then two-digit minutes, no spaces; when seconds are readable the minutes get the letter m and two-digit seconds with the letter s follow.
9h08
